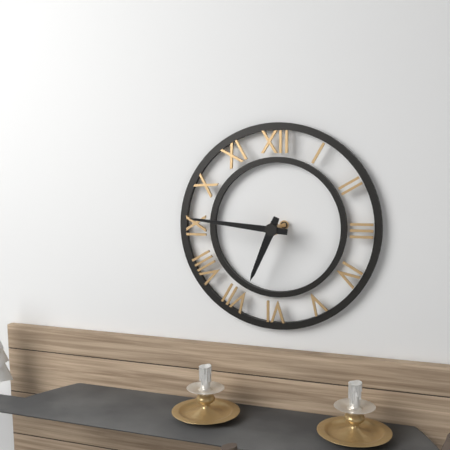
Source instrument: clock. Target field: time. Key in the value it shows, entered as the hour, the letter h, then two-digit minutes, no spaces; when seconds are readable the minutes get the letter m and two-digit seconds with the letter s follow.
6h46
